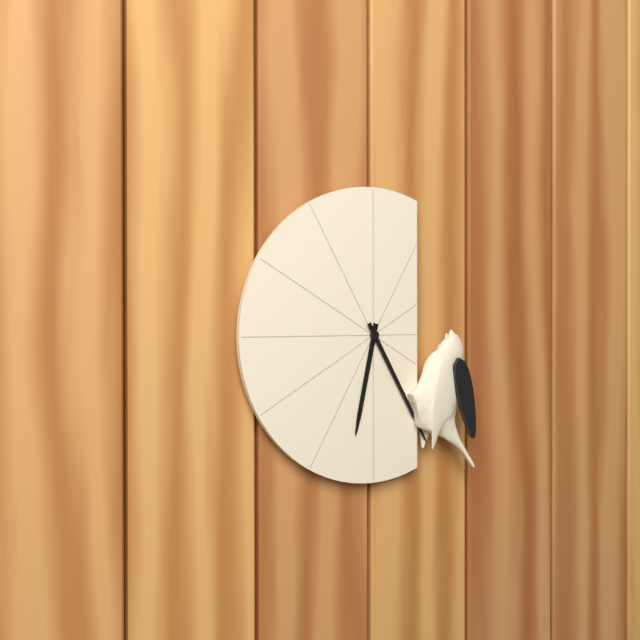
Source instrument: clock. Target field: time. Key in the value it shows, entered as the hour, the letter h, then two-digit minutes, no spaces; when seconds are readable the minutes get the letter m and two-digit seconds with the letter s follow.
6h25
